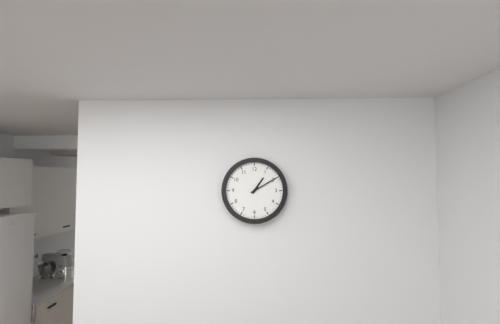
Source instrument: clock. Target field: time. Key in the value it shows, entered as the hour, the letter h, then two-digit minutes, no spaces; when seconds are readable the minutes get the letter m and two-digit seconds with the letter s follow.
1h10
